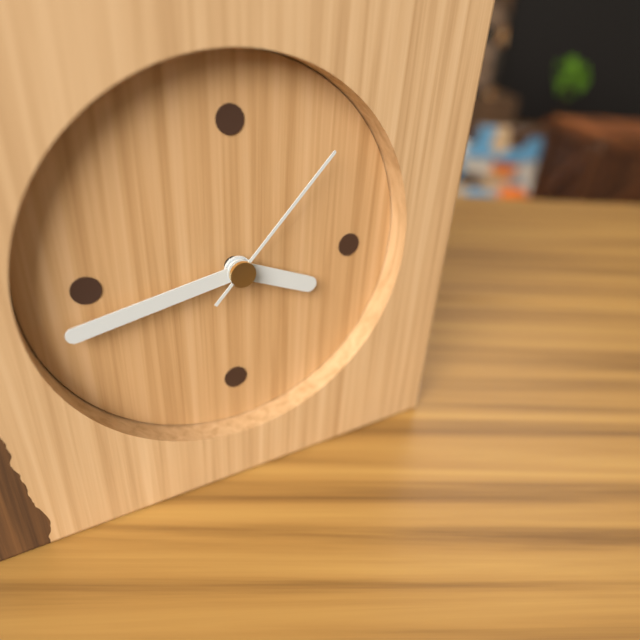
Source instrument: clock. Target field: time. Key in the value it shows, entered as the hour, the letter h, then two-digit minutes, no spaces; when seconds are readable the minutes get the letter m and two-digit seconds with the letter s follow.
3h43m07s
